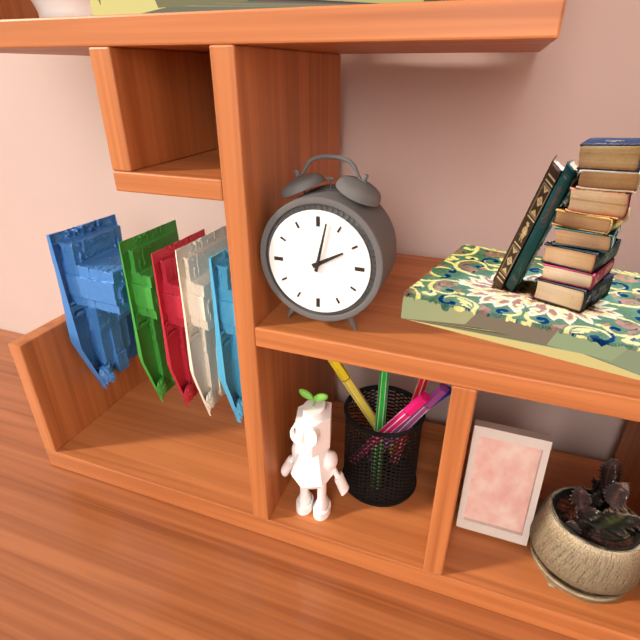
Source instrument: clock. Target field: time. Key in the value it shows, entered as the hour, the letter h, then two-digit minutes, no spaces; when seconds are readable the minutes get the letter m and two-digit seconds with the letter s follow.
2h02
